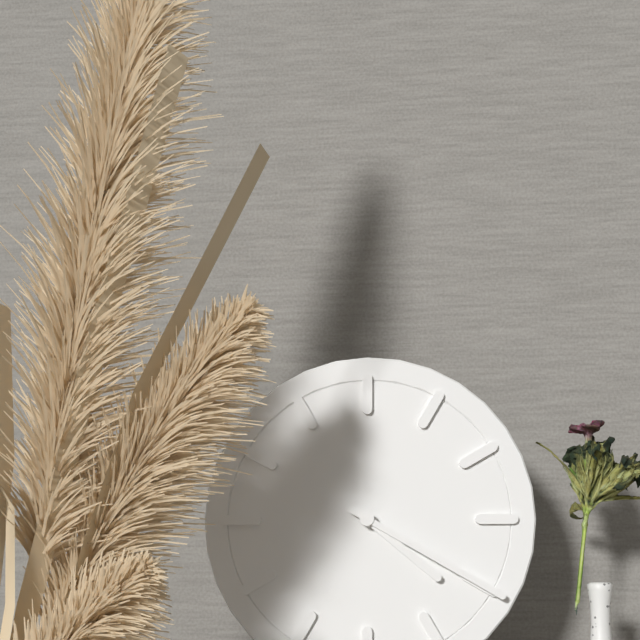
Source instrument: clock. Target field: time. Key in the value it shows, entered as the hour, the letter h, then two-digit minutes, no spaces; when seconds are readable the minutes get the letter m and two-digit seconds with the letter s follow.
4h20
